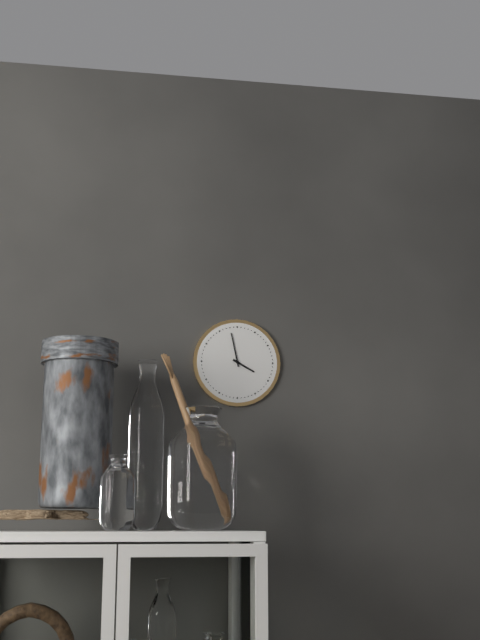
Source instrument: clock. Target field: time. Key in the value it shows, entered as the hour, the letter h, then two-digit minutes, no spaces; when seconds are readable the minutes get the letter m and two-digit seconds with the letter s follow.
3h58
